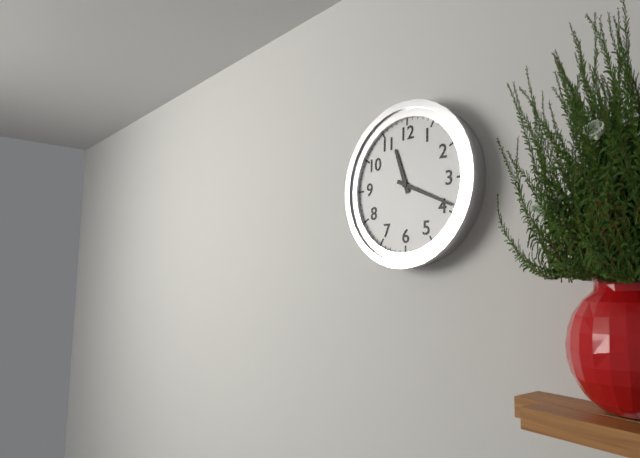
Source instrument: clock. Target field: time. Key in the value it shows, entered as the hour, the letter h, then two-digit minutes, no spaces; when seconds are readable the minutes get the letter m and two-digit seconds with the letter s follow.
11h19
